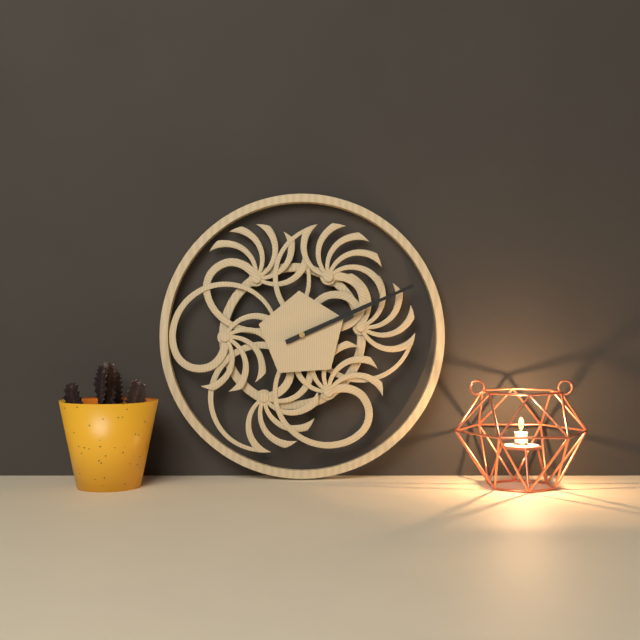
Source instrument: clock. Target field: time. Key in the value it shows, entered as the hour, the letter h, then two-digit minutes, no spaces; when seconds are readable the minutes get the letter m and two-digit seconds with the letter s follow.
2h11
